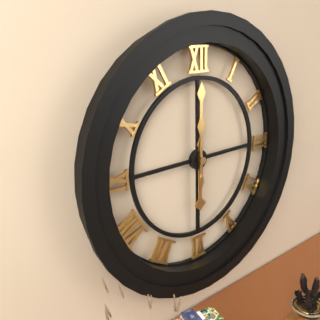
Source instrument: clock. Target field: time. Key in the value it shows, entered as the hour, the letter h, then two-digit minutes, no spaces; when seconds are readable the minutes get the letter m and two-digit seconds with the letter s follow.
6h00
